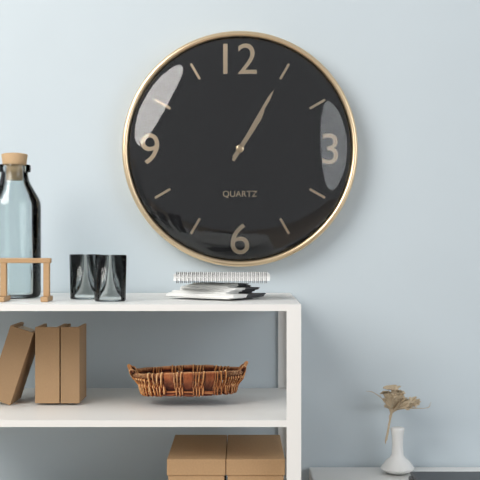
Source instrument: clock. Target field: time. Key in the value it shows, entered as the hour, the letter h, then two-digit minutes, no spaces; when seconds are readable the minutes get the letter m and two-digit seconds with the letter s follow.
1h05
